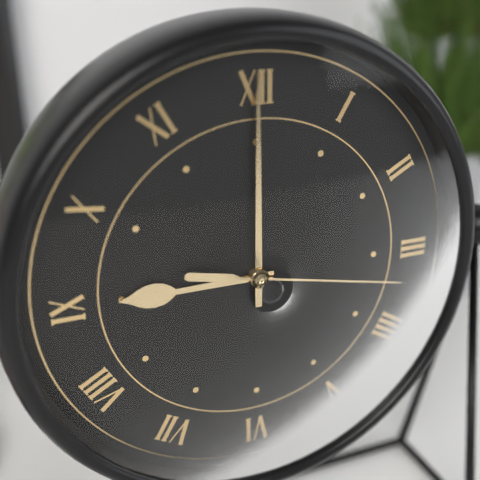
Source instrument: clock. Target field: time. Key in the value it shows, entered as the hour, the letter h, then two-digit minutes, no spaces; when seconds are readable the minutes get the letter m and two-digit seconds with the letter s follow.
9h00m17s
